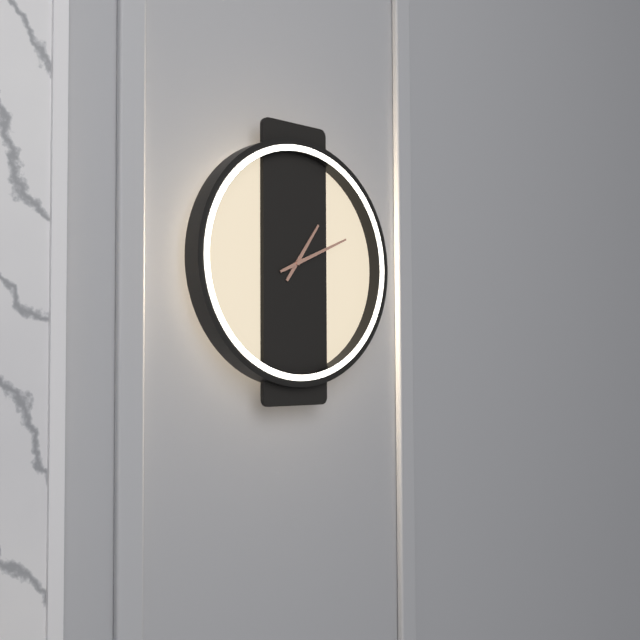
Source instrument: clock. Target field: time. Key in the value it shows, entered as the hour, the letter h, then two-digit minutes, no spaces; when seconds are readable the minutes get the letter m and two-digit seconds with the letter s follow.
1h11
